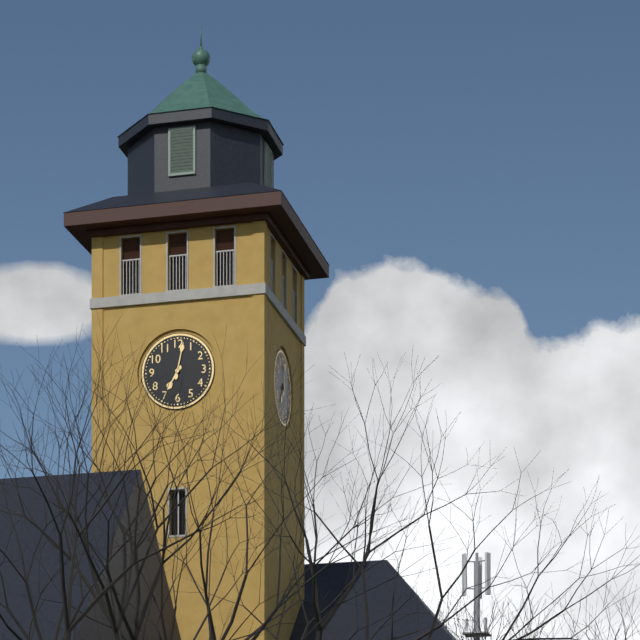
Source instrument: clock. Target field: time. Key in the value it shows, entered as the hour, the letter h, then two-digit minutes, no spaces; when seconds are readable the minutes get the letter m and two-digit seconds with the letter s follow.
7h02
